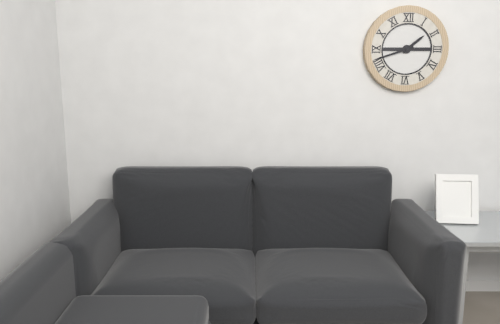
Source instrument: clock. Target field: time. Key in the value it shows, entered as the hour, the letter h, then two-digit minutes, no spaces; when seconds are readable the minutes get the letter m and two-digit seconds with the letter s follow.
1h42
